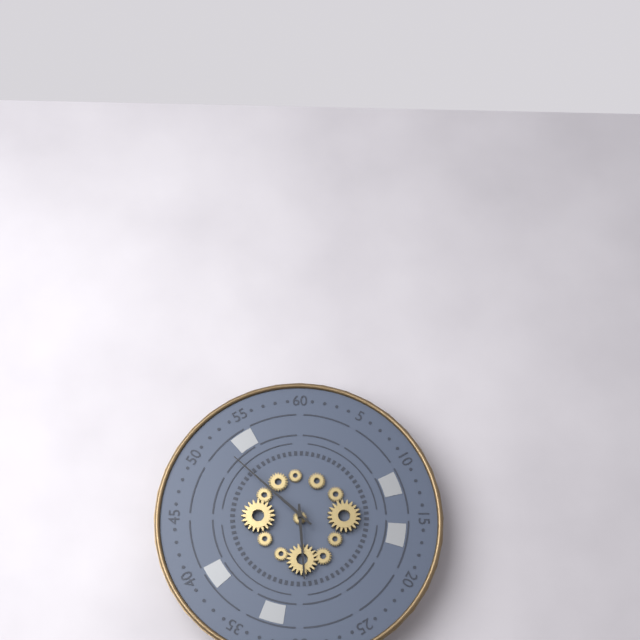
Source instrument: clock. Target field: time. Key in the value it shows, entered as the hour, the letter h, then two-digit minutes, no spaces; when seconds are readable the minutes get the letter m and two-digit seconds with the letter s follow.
5h52
